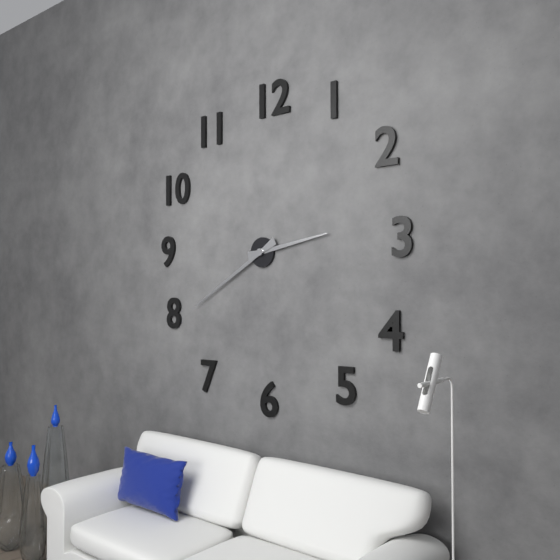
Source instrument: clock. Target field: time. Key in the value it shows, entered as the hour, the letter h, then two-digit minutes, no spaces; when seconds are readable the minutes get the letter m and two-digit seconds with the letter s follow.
2h40
